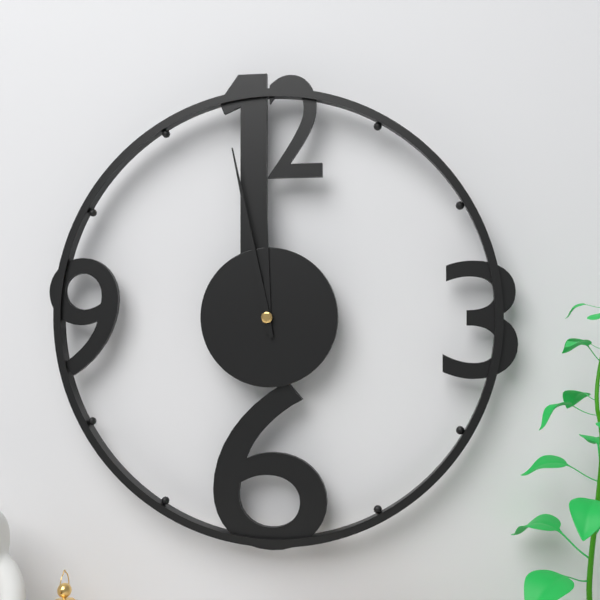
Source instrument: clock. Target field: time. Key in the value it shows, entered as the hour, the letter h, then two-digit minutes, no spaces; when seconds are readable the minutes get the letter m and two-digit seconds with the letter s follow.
11h58
